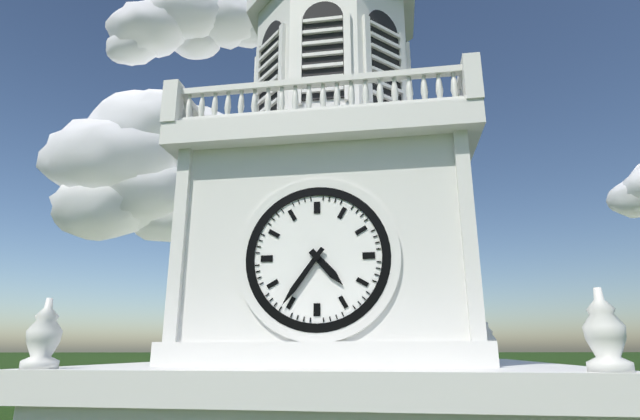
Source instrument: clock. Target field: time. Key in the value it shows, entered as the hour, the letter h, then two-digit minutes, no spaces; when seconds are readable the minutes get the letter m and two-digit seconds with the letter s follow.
4h36
